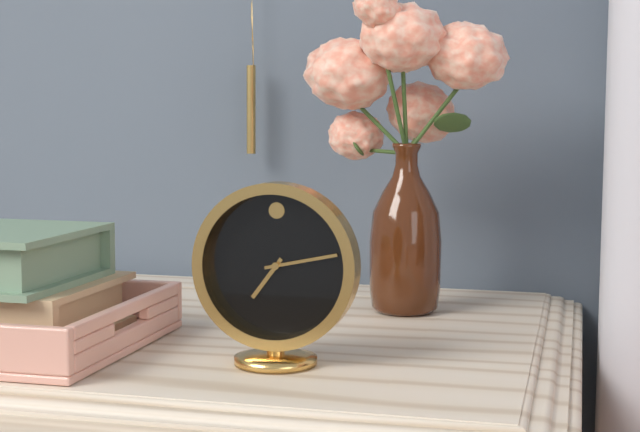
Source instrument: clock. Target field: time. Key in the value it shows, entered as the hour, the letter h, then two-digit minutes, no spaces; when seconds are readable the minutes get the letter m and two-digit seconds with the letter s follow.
7h13
